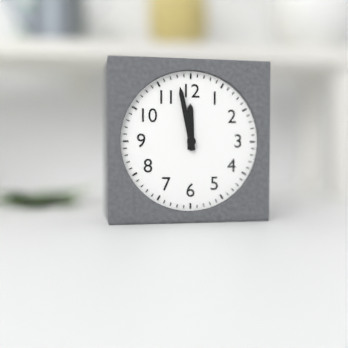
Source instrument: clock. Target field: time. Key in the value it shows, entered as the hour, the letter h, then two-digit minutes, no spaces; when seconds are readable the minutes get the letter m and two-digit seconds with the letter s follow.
11h58
